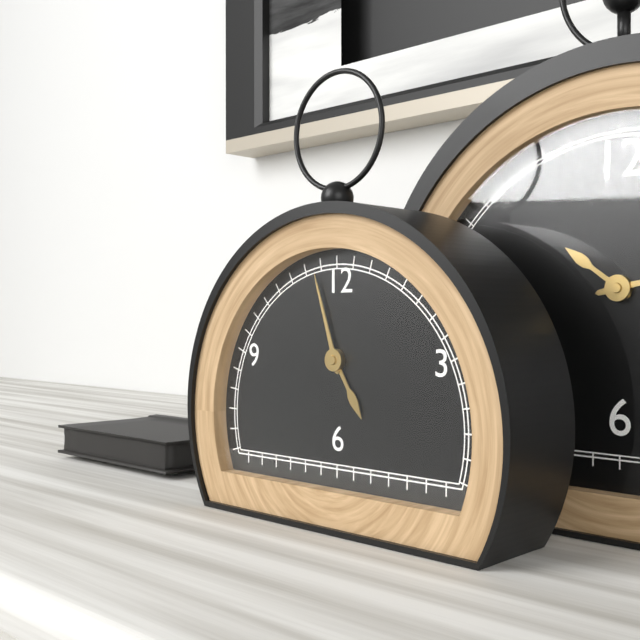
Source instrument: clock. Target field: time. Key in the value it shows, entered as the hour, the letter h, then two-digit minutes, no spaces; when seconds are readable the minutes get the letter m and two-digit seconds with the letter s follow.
4h57
